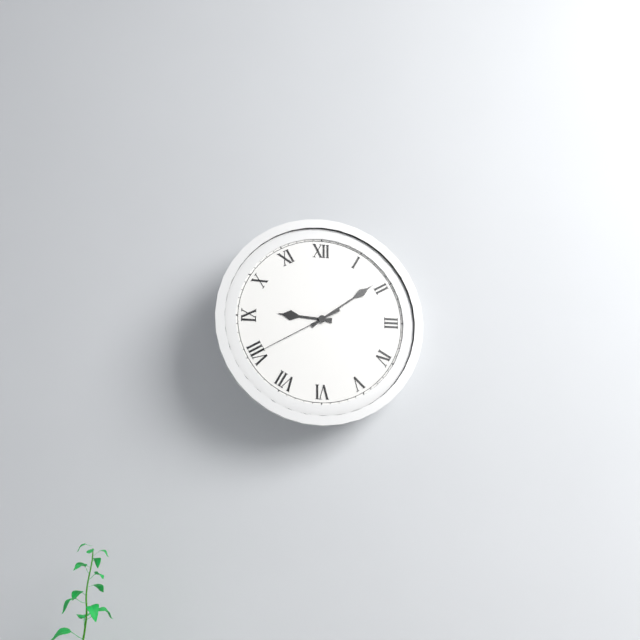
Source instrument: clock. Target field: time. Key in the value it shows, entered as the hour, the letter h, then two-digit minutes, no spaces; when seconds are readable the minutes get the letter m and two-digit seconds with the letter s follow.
9h09m40s
